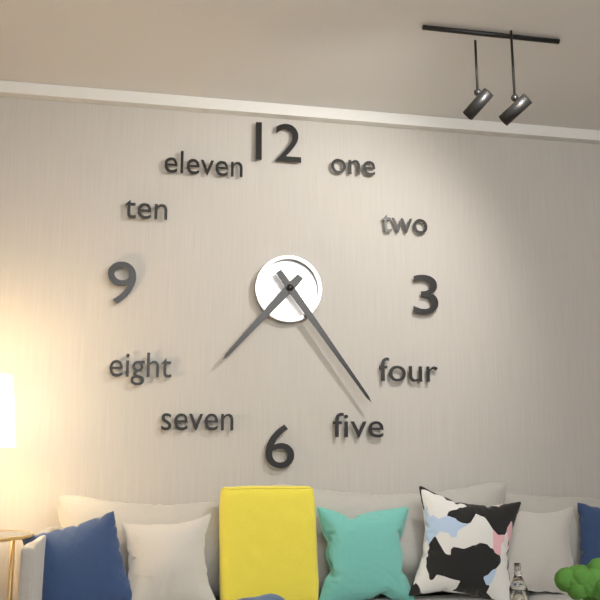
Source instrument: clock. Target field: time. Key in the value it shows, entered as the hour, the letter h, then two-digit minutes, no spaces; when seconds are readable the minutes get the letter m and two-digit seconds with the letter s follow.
7h24
